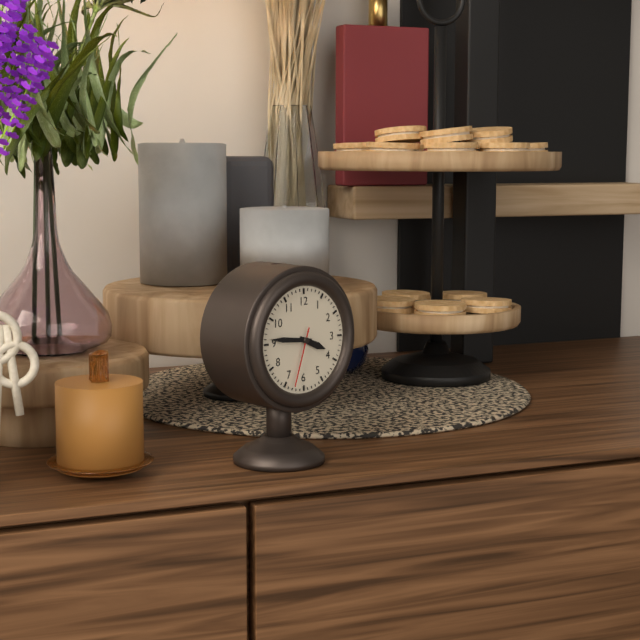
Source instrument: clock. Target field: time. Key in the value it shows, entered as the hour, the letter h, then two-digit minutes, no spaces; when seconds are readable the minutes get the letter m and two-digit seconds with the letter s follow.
3h46m33s
